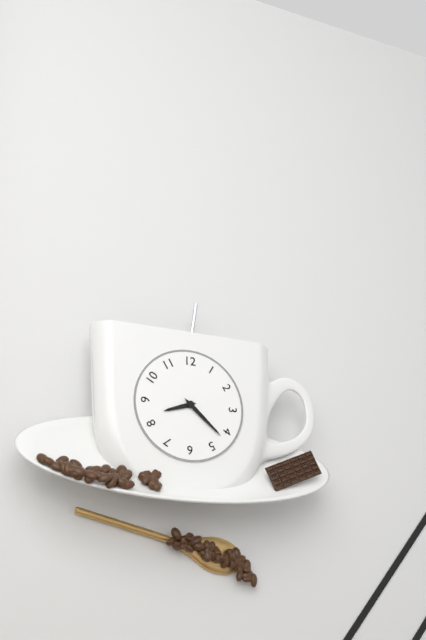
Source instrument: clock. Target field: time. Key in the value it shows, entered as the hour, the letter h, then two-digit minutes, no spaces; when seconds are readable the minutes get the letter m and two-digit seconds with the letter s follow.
8h22
